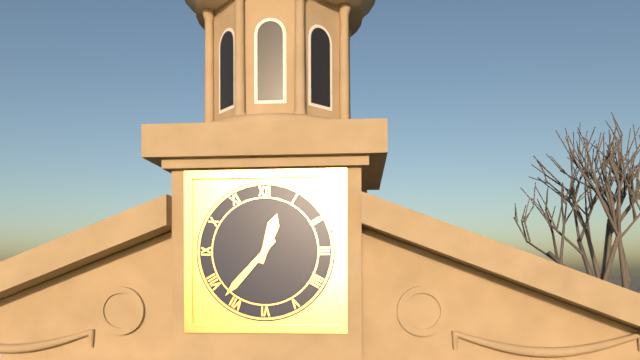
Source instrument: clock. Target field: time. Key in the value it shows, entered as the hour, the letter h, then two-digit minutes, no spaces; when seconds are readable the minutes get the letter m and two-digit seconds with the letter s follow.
12h37
